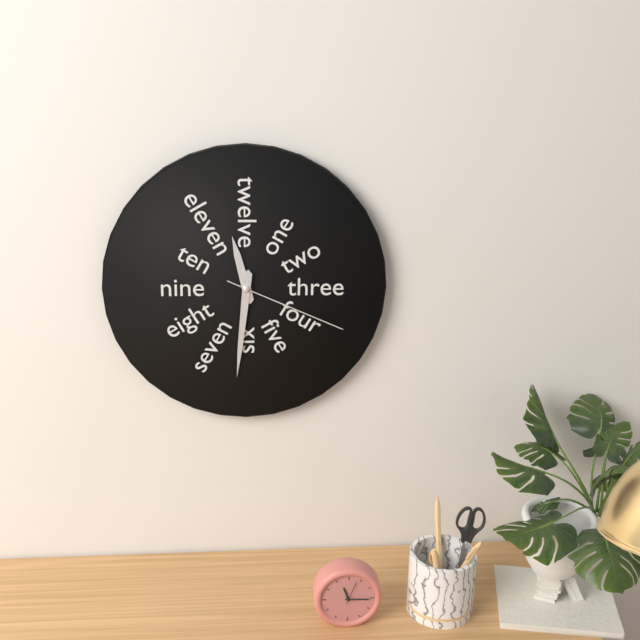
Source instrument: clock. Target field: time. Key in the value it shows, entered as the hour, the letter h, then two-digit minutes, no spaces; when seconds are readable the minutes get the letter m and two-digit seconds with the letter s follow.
11h31m19s
